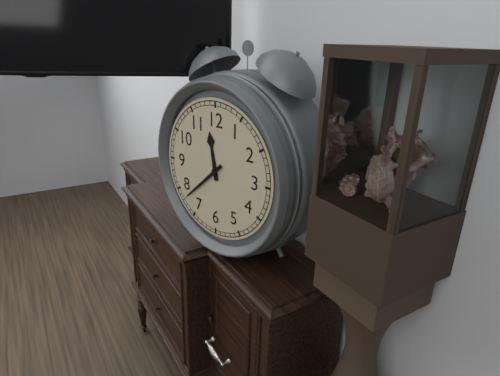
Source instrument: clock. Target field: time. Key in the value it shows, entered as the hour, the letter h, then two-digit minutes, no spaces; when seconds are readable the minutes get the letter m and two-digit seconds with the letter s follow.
11h38
